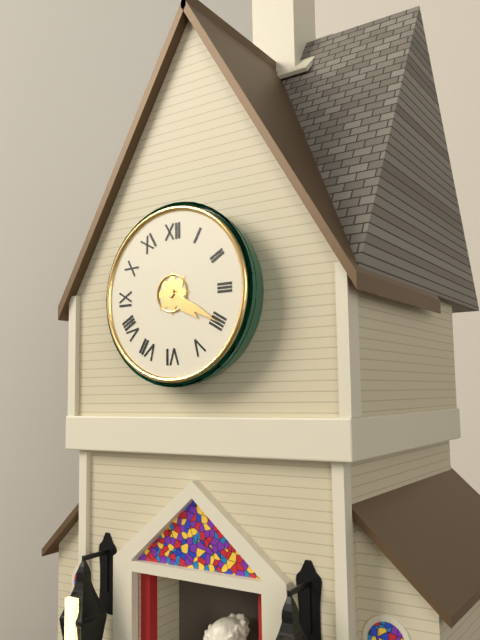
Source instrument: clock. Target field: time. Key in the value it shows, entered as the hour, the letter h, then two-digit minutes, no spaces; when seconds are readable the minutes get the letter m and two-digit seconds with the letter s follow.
4h20
